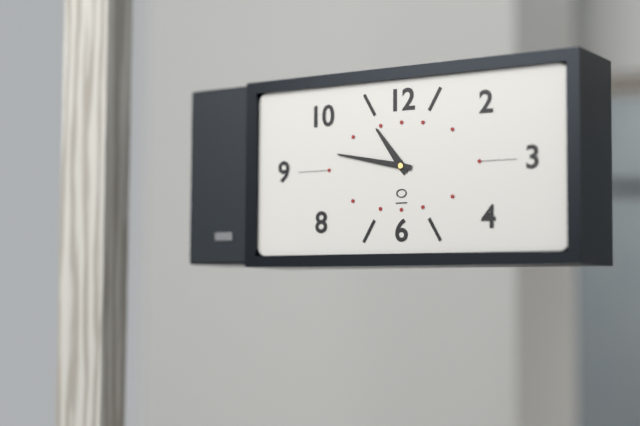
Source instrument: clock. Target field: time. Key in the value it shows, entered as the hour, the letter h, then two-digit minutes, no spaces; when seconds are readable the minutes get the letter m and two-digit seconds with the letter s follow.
10h47
